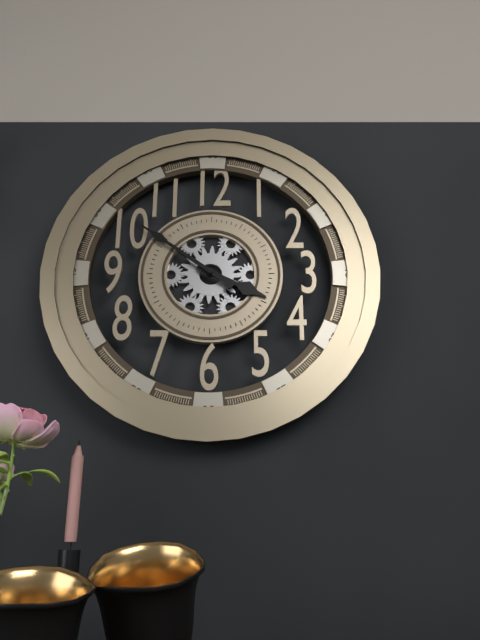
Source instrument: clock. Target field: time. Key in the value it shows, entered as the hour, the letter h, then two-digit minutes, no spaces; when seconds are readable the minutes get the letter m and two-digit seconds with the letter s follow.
3h51
